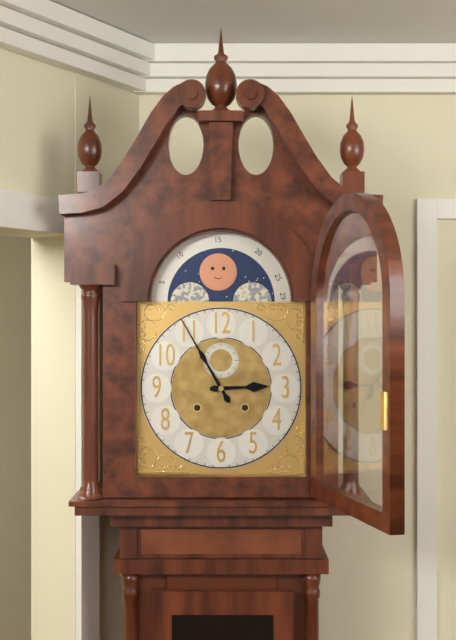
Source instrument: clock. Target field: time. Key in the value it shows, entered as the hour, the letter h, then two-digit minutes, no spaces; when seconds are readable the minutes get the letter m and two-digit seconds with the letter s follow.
2h55
